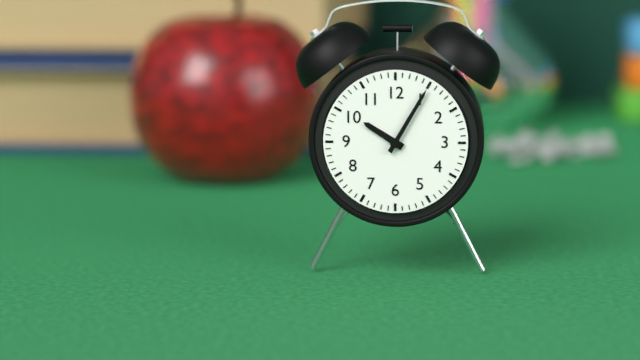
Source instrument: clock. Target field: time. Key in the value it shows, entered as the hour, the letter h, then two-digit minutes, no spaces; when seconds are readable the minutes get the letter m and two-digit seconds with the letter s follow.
10h05
